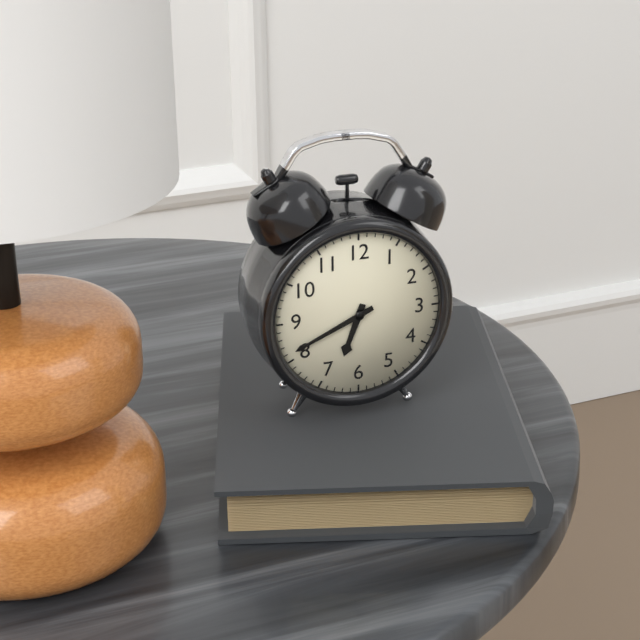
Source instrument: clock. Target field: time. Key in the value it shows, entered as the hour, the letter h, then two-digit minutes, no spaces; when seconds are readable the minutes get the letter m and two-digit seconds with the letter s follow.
6h41
